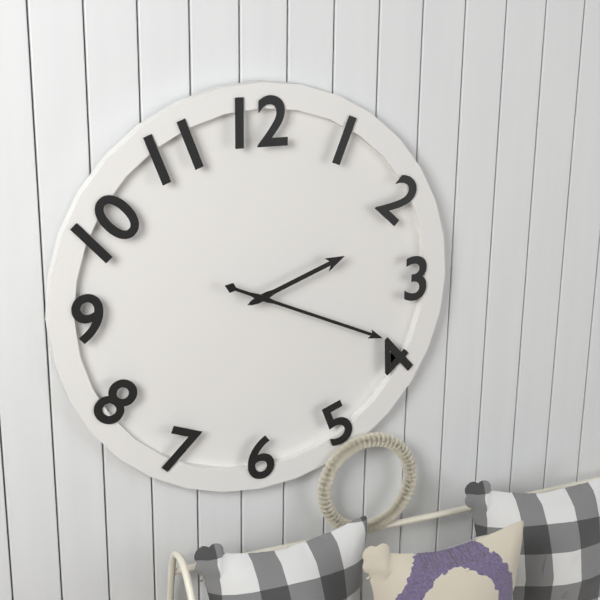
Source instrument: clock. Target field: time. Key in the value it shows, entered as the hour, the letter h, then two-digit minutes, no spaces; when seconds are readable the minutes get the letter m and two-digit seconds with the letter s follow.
2h19
